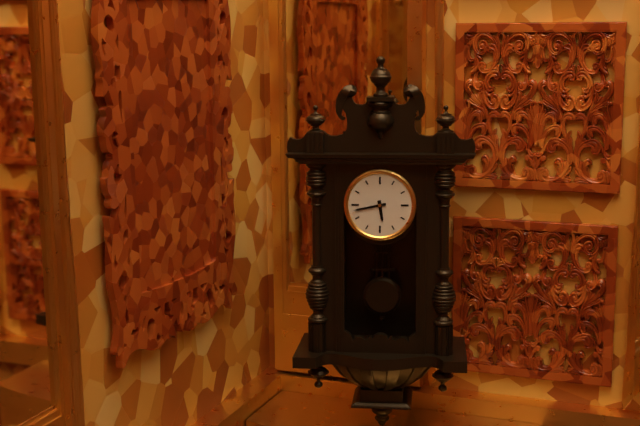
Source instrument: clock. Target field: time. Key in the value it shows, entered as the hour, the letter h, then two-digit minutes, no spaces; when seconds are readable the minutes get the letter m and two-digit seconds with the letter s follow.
5h43
